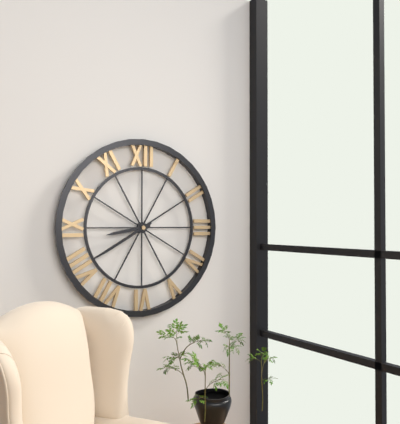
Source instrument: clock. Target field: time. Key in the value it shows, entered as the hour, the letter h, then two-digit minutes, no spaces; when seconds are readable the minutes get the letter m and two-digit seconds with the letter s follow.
8h40
